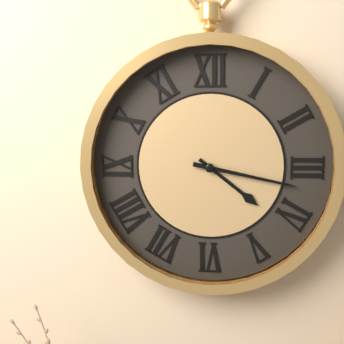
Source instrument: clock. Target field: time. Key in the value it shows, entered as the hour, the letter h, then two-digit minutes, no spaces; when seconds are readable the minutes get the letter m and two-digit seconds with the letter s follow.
4h17
